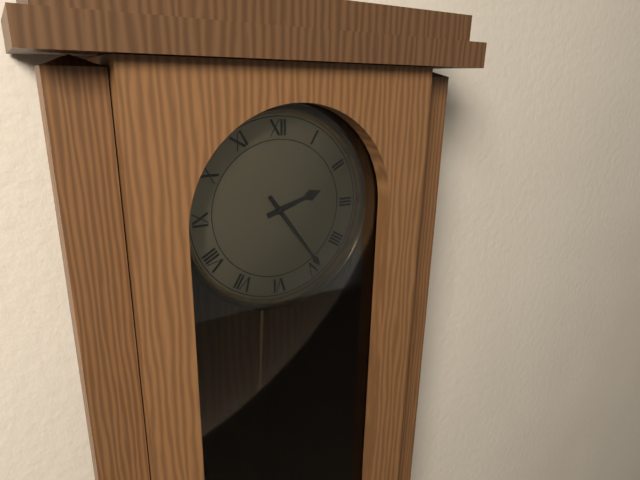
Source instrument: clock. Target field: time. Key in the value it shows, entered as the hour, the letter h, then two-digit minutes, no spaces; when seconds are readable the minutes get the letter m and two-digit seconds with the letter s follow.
2h24
